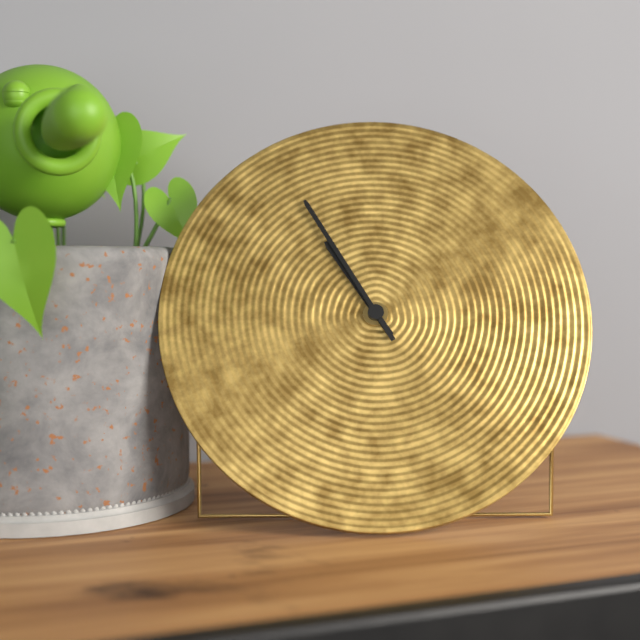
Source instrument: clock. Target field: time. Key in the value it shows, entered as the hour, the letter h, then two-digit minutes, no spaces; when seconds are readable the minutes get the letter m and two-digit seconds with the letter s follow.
10h55
